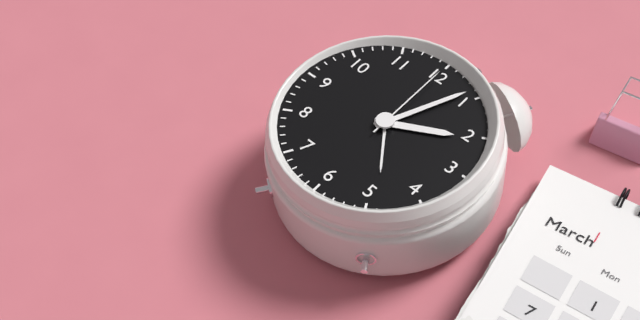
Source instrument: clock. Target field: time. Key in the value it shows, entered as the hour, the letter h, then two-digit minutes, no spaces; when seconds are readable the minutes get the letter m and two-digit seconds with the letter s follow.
2h04m00s
